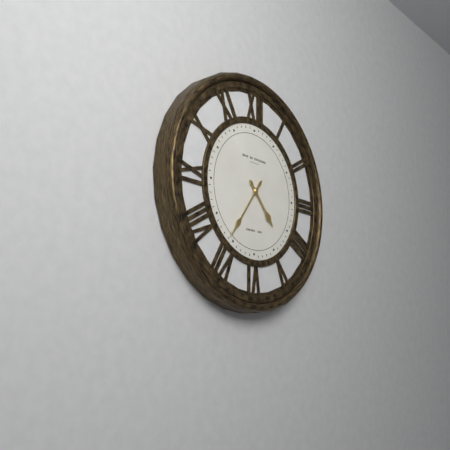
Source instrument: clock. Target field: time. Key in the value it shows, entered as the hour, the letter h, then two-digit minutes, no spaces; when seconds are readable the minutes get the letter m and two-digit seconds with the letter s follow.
4h36
